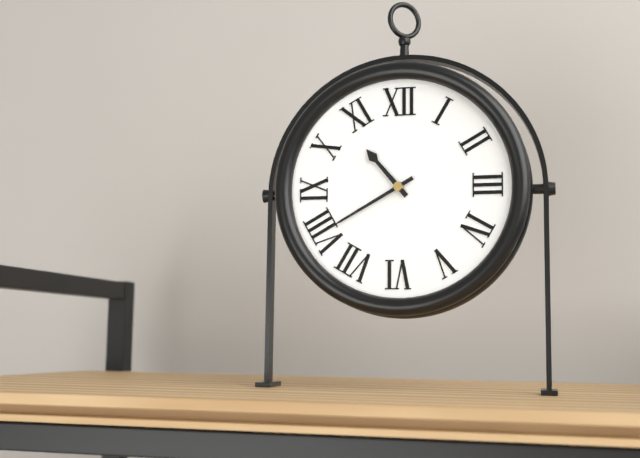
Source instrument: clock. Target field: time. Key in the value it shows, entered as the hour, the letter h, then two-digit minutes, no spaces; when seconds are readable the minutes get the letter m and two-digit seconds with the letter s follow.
10h40
